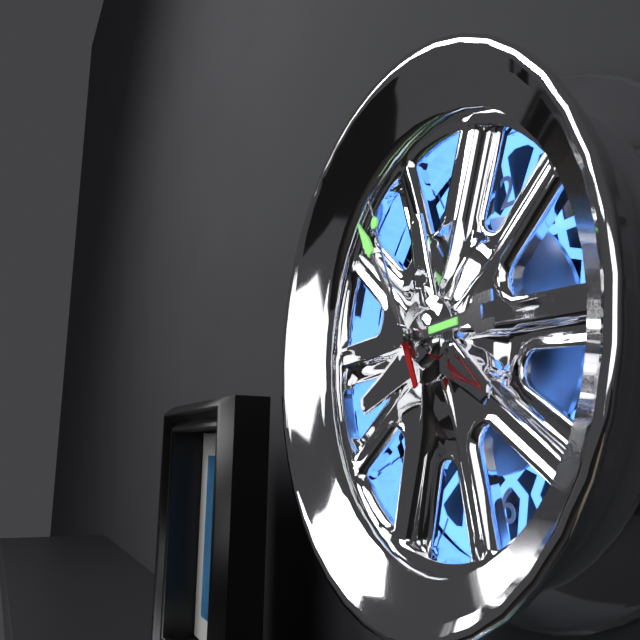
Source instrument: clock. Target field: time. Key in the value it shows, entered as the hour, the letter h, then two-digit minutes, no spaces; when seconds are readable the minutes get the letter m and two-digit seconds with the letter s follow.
2h54m56s
